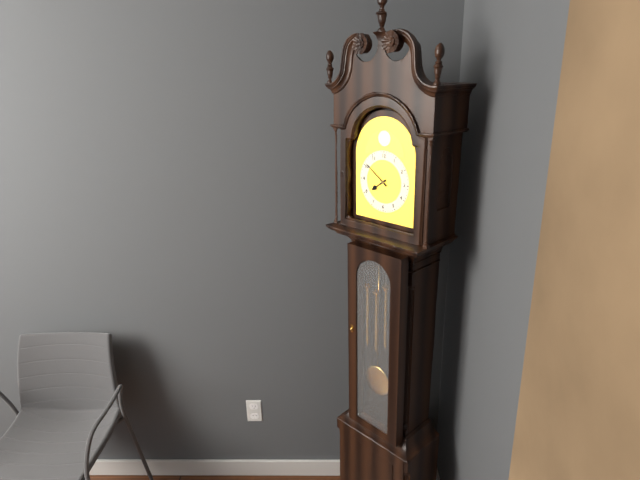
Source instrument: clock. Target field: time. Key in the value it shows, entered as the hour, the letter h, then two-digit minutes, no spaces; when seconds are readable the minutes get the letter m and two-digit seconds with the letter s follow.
7h51
